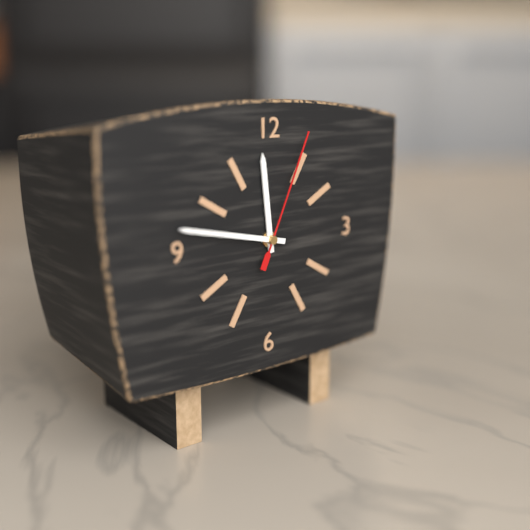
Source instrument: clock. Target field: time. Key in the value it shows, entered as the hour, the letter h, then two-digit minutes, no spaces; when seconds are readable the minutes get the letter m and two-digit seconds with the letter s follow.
11h47m04s
